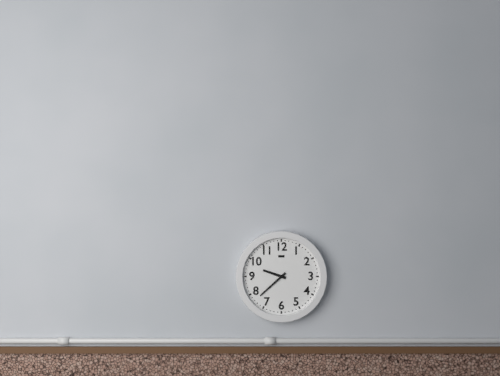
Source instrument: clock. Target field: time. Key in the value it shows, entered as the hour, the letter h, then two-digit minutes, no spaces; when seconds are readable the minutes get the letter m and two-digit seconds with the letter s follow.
9h38
